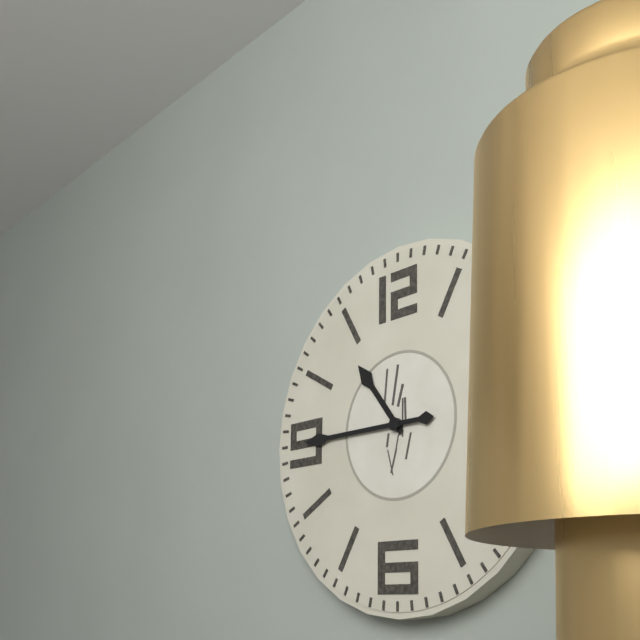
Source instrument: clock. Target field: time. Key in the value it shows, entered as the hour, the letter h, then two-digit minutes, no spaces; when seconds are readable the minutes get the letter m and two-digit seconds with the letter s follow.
10h45
